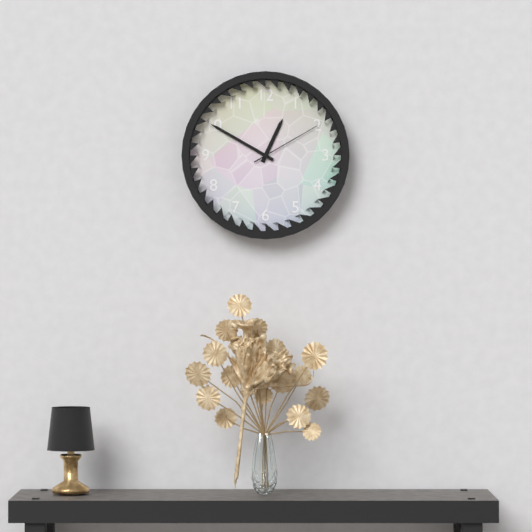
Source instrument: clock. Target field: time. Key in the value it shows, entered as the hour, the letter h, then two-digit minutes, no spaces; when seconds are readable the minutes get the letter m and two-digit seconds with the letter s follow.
12h50m10s
